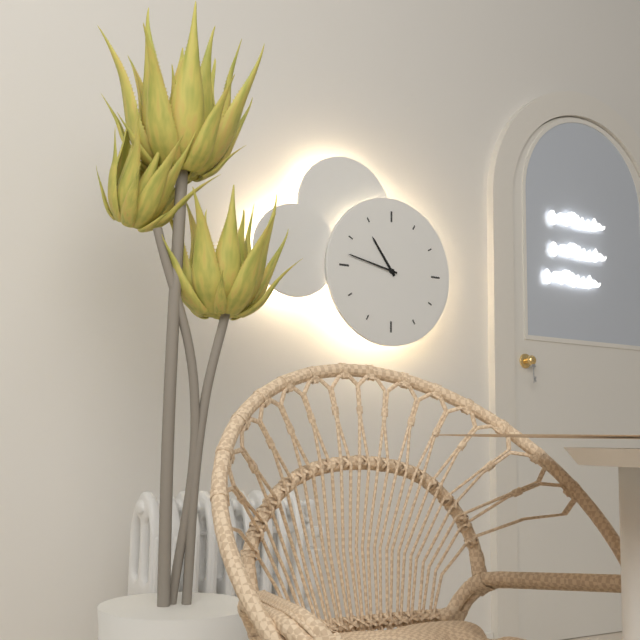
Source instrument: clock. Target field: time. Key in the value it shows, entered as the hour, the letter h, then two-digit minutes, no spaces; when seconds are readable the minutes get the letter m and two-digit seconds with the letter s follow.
10h47
